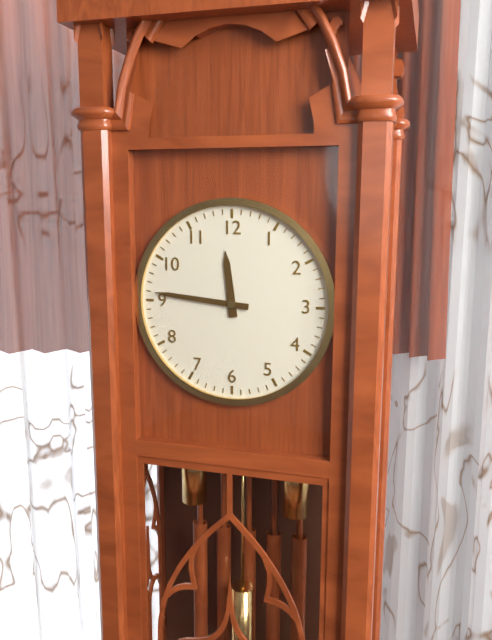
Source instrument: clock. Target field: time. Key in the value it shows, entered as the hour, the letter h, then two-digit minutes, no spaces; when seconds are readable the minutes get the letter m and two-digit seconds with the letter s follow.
11h46
